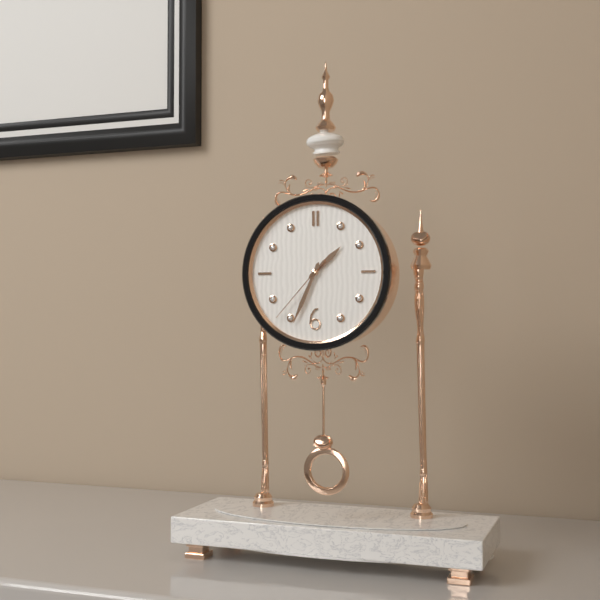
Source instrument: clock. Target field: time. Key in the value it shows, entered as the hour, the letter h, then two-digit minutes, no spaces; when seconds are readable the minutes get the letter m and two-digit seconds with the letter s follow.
1h34m37s
